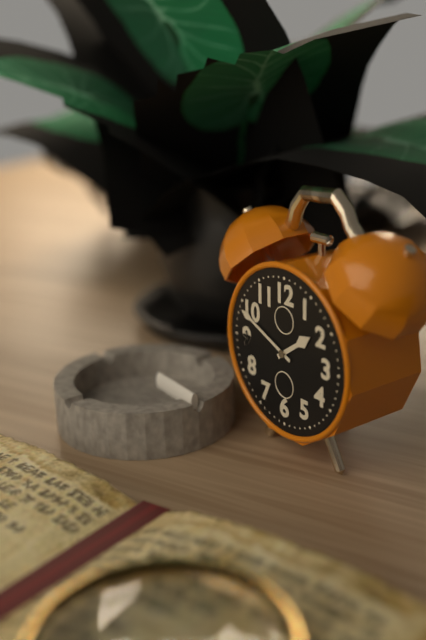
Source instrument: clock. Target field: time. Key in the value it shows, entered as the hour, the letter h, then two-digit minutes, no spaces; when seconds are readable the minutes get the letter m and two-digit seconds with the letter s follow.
1h49
